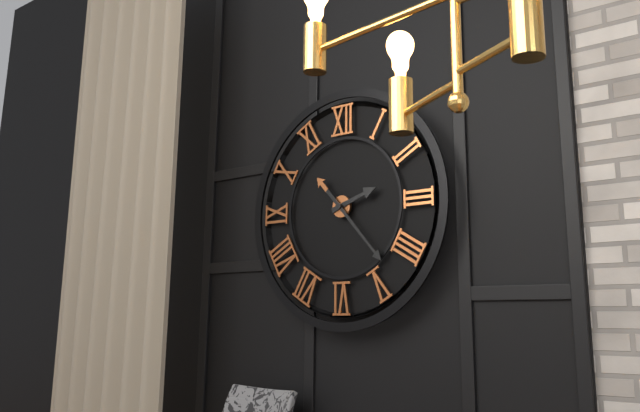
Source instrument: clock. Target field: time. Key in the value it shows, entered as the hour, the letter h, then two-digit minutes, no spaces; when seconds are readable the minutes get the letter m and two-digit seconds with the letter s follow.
2h23
